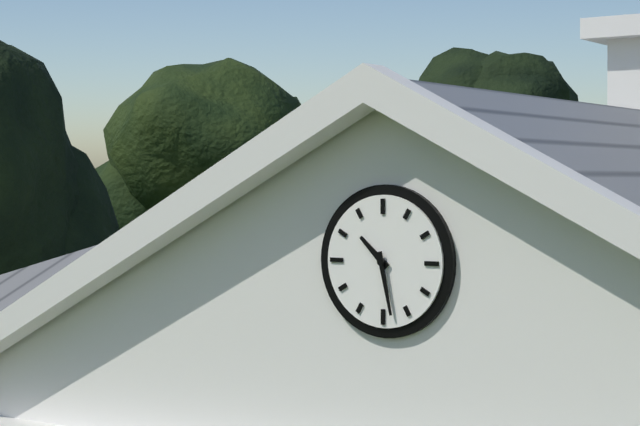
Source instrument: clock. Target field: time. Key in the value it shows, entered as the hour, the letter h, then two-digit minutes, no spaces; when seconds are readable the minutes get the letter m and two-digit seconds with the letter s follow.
10h28
